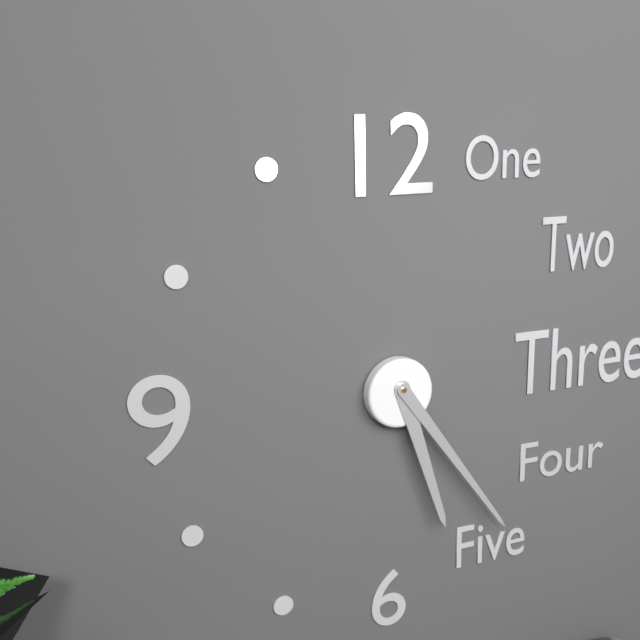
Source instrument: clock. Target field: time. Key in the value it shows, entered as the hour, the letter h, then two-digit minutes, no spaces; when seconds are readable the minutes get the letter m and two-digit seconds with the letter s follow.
5h24
